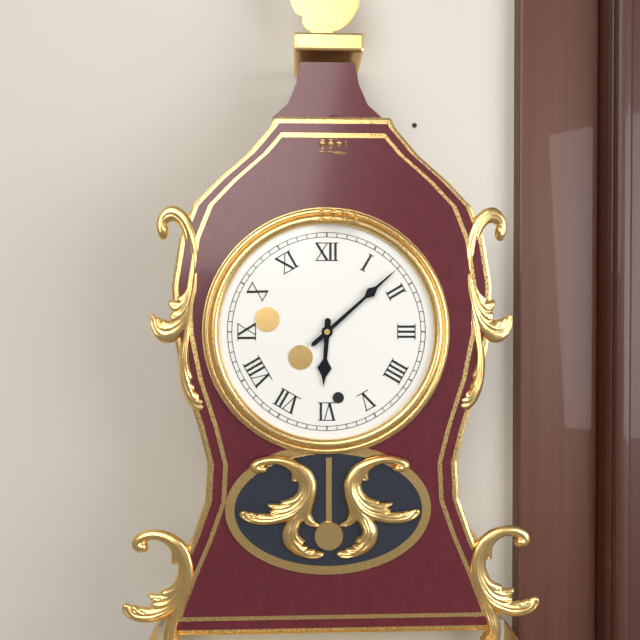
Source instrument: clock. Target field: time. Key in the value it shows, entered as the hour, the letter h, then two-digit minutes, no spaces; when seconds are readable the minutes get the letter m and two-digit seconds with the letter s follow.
6h08
